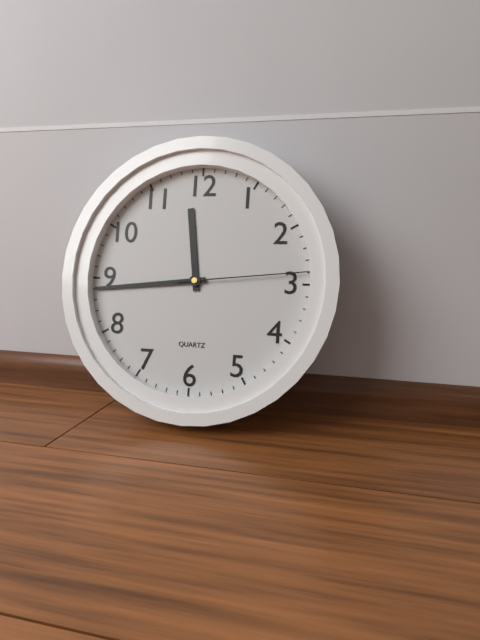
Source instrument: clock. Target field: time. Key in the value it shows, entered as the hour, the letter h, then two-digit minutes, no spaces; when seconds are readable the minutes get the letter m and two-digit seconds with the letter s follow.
11h44m14s
